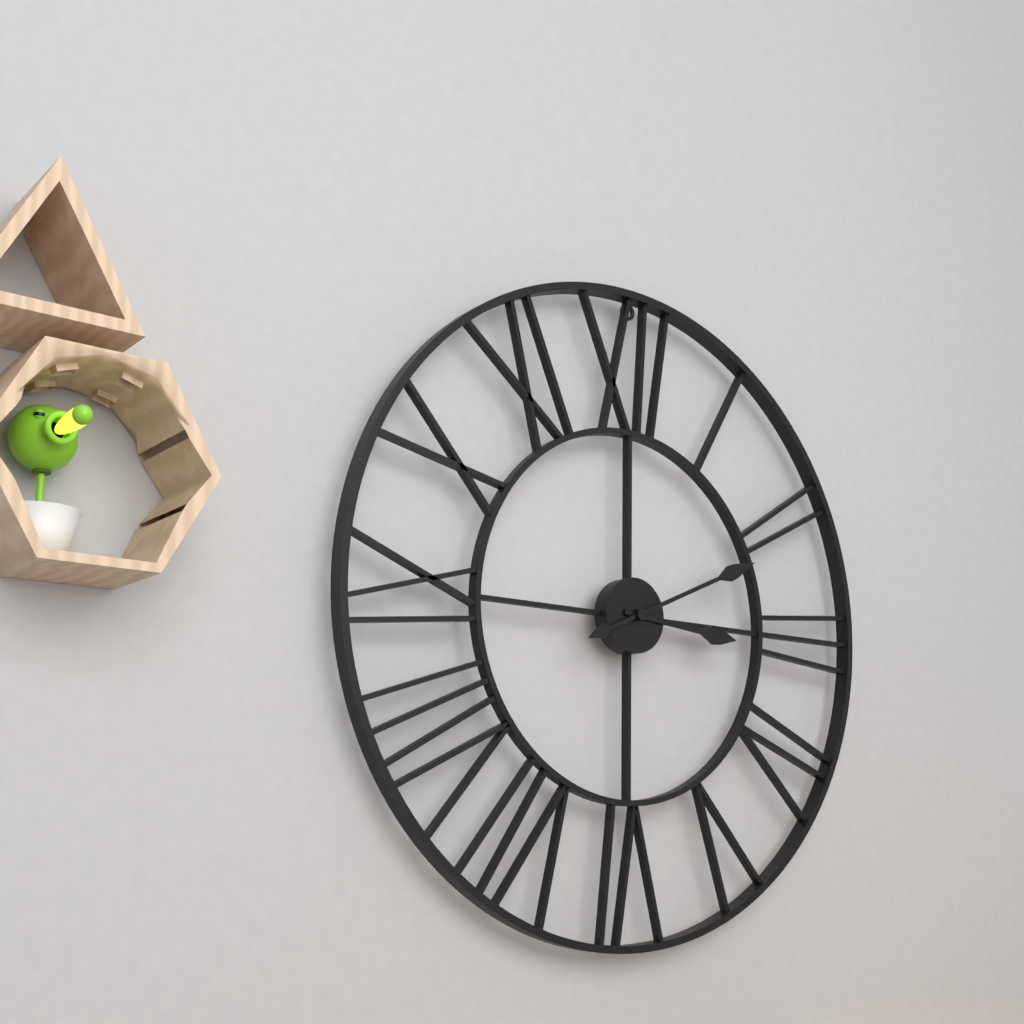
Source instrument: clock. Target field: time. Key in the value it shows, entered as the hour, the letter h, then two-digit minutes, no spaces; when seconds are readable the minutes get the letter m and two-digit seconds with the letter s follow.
3h11
